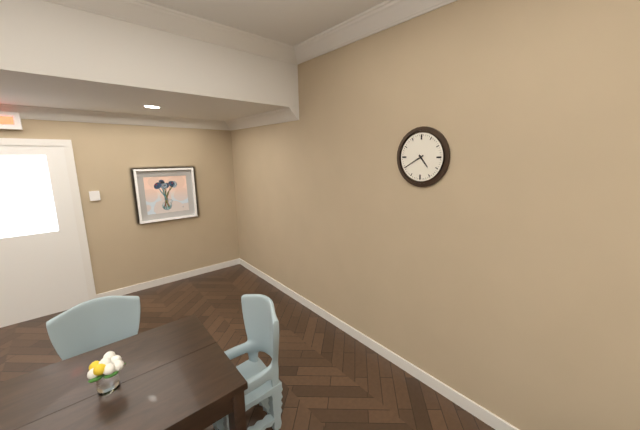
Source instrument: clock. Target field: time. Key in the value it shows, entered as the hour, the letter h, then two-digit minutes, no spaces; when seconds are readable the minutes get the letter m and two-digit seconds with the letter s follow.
4h40
